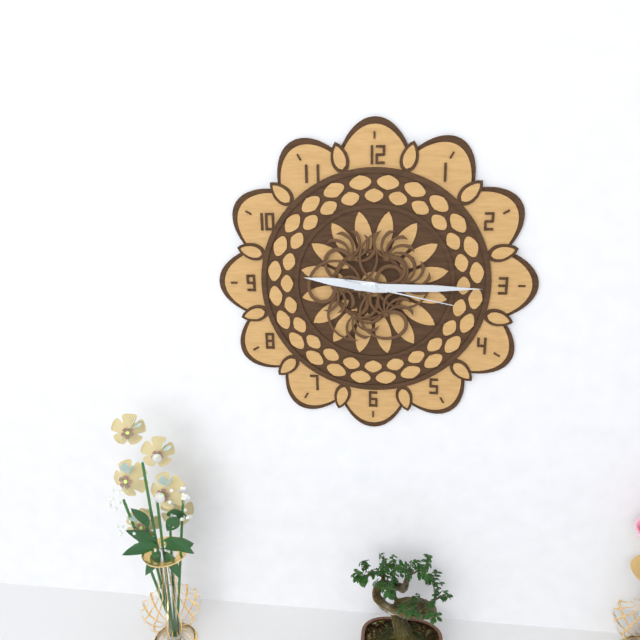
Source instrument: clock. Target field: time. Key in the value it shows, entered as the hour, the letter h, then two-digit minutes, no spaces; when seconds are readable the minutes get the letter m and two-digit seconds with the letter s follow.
9h15m17s
